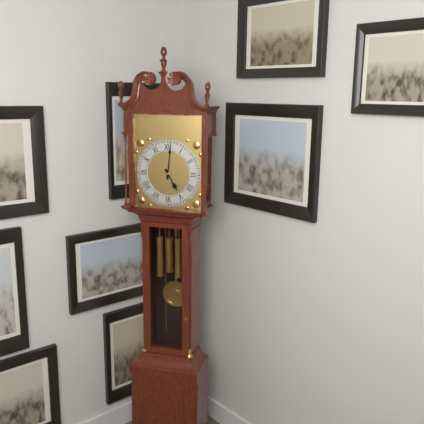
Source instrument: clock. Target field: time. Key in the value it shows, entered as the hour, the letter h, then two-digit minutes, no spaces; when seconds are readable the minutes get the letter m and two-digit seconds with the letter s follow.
5h01
